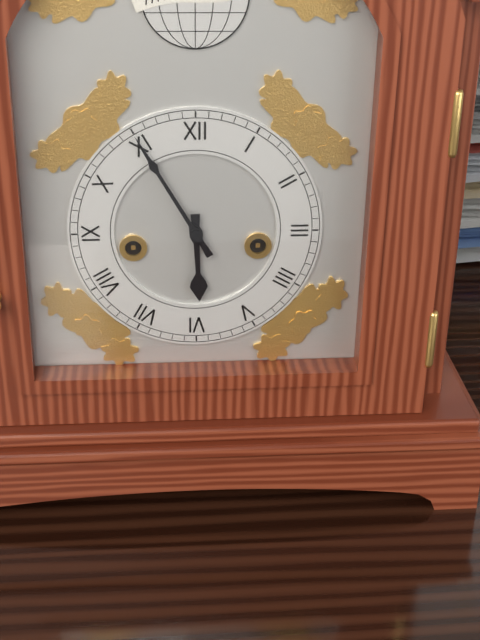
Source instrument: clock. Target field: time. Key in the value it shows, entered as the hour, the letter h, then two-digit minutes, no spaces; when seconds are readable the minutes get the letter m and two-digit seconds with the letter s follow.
5h55
